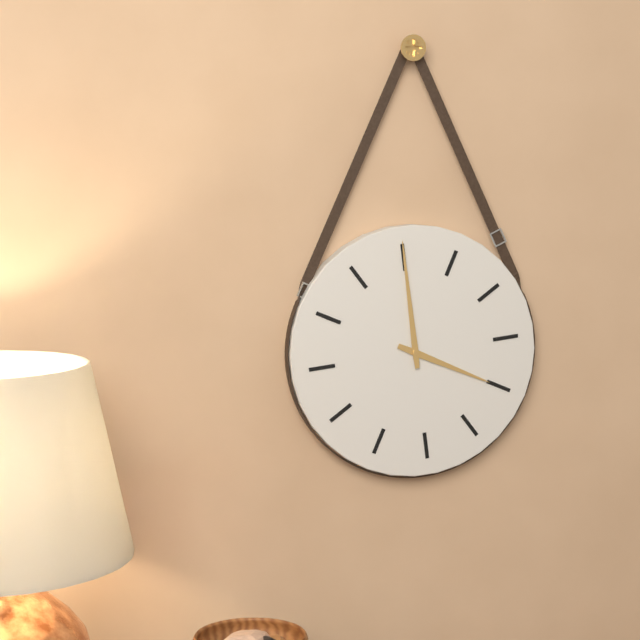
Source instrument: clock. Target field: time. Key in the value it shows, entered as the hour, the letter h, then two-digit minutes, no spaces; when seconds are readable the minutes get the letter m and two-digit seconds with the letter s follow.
4h00
